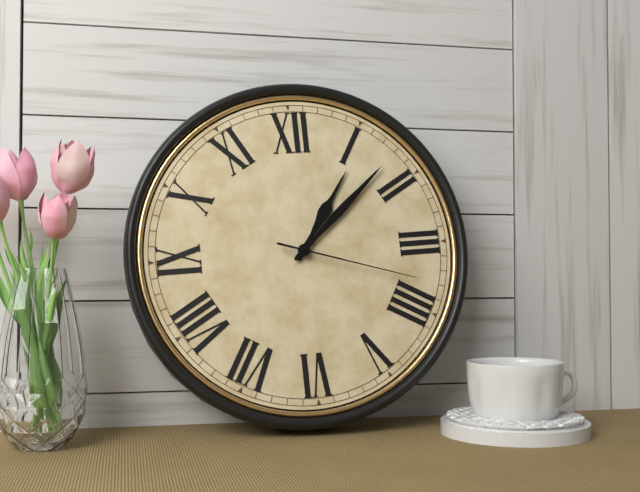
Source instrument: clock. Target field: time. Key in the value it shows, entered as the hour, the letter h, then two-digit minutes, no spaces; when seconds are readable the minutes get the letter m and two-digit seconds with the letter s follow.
1h08m18s
